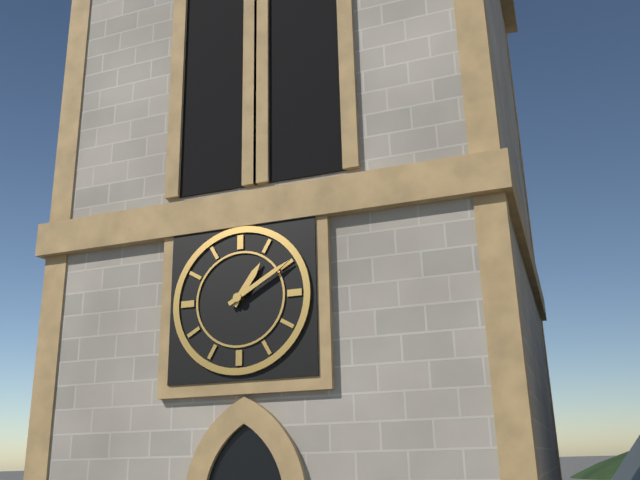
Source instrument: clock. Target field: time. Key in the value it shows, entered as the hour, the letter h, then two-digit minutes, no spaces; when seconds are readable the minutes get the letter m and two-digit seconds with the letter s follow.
1h10
